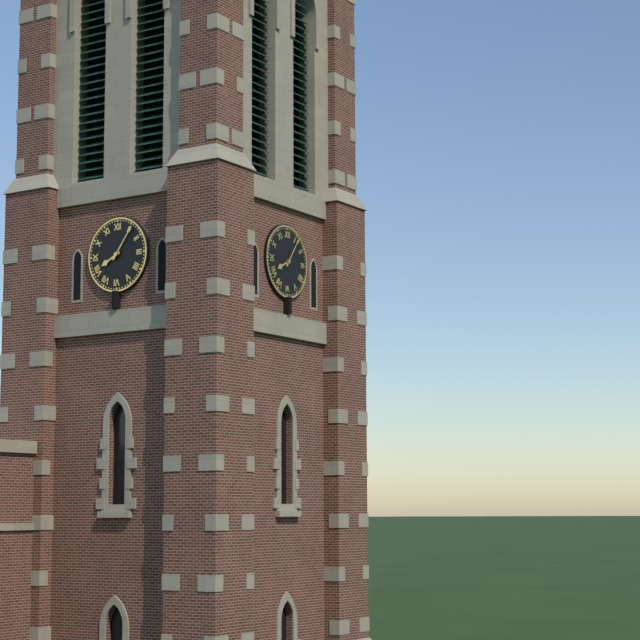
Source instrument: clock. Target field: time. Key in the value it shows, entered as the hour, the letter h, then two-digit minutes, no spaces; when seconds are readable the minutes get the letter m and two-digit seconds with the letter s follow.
8h06
